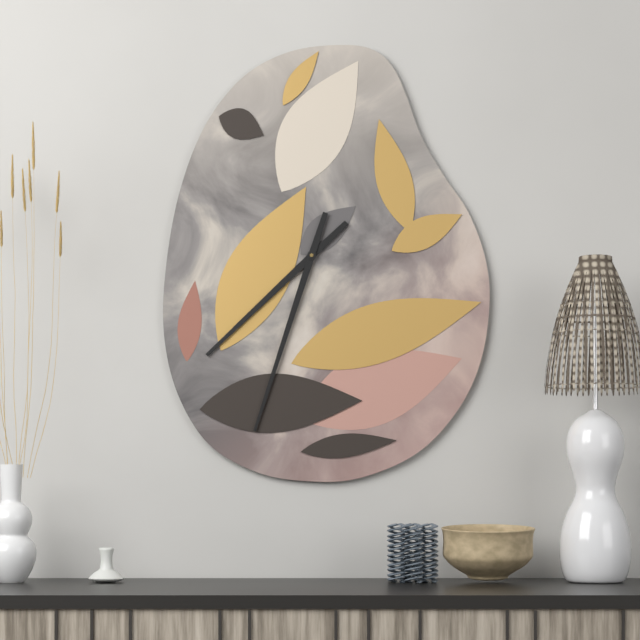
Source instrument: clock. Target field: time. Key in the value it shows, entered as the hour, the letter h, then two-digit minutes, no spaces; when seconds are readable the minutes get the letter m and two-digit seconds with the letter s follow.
7h33
